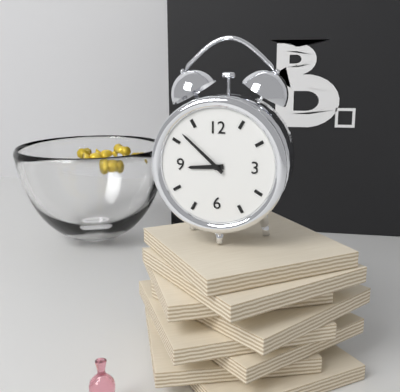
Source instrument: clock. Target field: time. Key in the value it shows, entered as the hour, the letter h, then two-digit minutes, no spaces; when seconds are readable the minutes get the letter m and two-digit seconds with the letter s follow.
8h52
